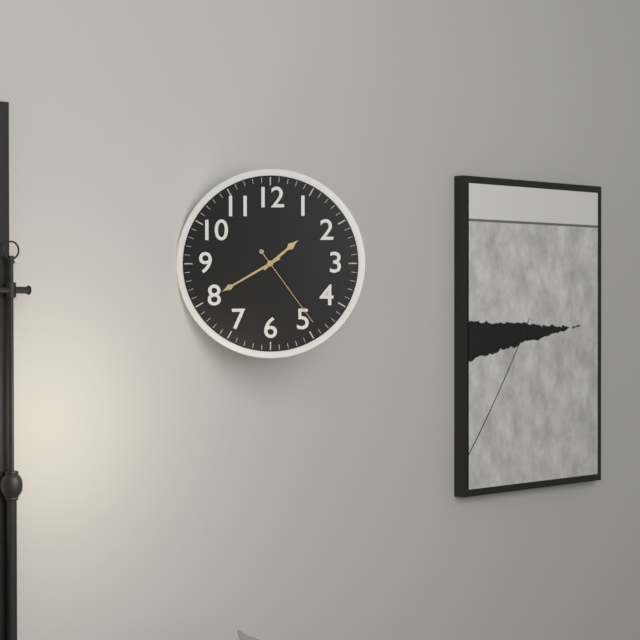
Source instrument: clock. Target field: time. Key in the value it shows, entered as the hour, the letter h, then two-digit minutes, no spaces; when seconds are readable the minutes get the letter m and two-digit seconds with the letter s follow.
1h40m24s
